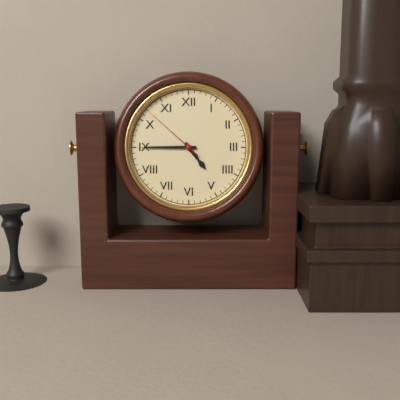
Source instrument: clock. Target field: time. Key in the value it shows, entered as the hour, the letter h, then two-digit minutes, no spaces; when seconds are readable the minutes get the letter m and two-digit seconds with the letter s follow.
4h45m52s
